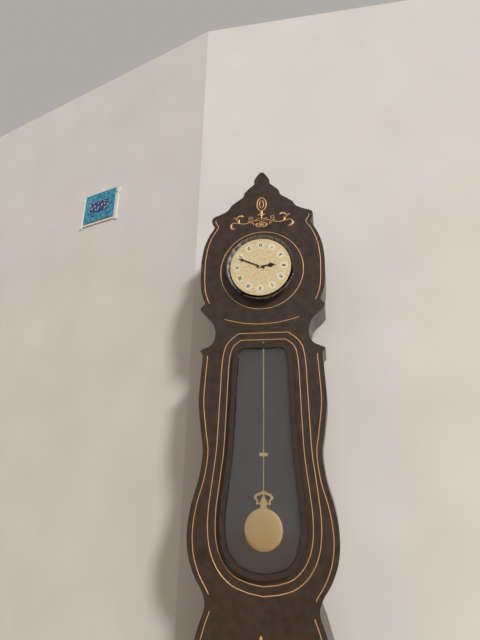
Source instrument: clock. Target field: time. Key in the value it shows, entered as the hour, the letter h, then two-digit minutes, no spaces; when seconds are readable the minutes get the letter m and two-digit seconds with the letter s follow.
2h49
